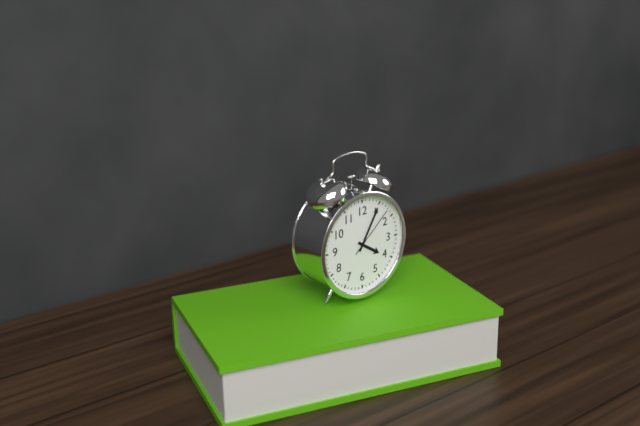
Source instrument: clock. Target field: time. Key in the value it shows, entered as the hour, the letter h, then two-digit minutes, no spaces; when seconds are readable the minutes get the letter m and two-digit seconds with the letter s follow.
4h05m08s
